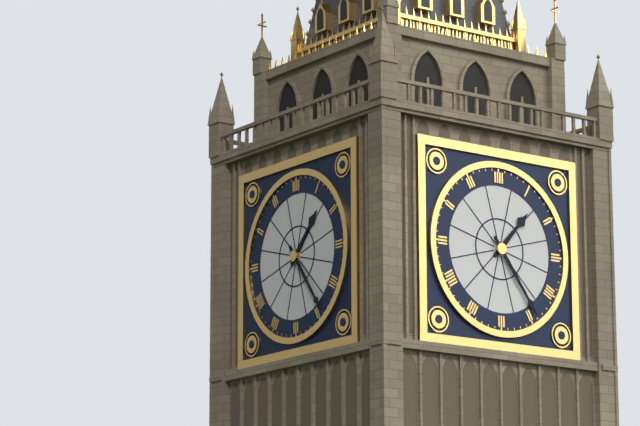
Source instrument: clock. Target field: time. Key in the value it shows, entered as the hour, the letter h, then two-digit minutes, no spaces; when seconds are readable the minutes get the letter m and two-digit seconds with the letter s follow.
1h24
